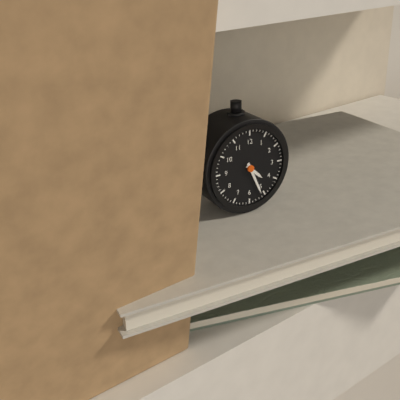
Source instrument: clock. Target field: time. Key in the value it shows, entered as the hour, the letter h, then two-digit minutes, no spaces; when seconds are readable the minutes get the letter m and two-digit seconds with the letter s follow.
4h26
